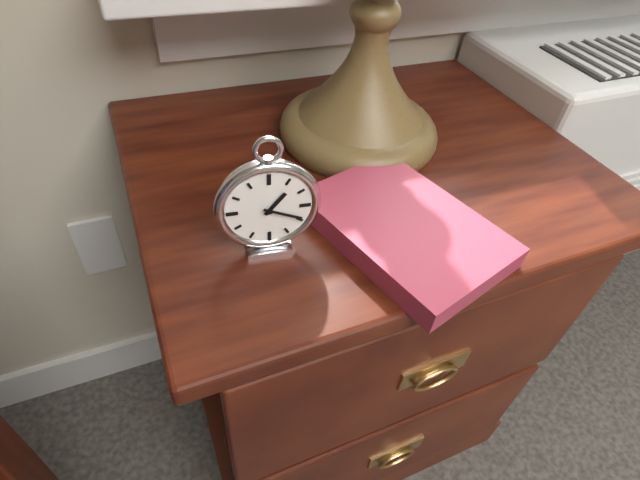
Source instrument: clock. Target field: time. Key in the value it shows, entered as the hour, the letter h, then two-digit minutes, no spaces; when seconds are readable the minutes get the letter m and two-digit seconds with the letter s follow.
1h19
